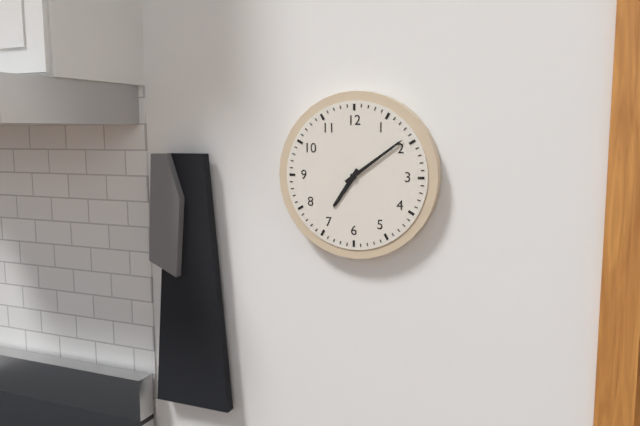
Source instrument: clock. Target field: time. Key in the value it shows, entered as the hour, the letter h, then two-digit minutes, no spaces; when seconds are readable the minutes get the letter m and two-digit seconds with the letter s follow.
7h09
